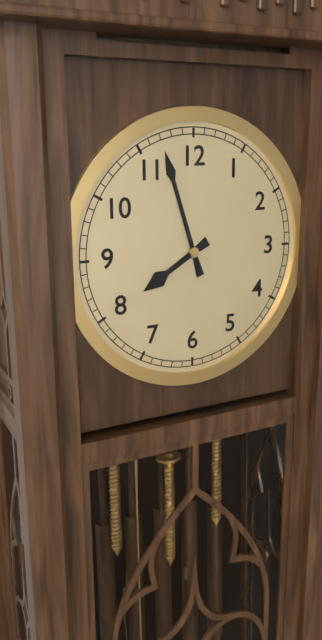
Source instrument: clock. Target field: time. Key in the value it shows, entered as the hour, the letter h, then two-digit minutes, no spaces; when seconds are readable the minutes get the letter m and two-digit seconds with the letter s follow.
7h57
